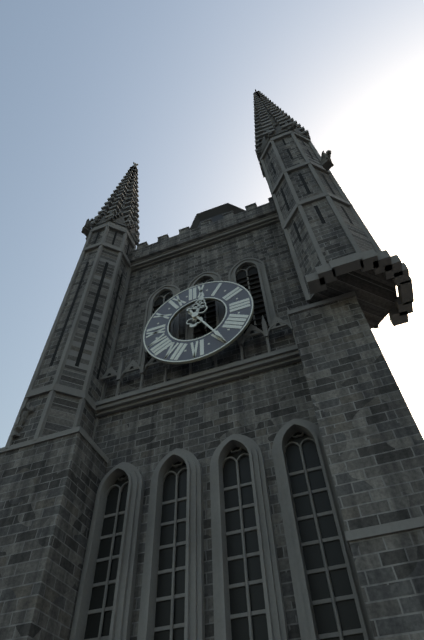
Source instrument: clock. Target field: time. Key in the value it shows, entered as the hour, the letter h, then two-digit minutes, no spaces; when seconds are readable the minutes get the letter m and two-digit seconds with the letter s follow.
12h25
